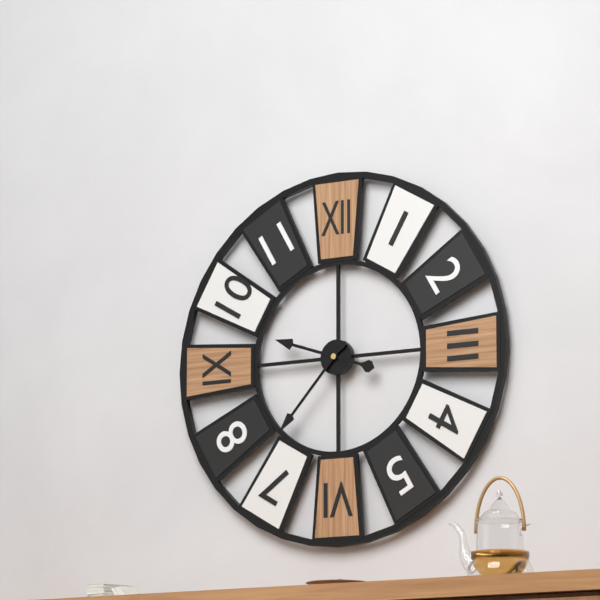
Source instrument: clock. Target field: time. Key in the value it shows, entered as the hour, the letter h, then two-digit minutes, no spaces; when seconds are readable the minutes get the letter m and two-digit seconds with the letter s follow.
9h37
